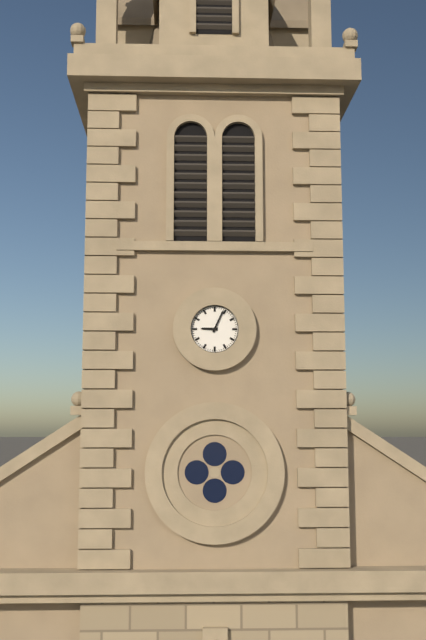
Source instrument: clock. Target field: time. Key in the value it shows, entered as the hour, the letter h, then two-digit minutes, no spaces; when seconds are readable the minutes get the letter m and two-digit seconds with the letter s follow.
9h04
